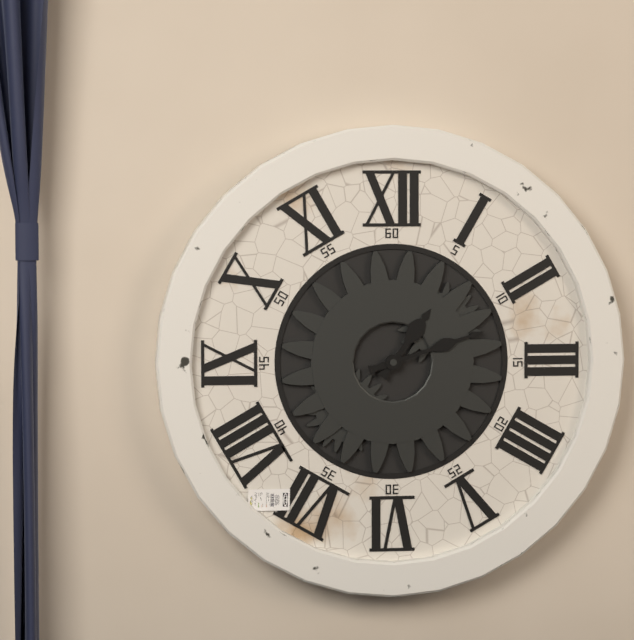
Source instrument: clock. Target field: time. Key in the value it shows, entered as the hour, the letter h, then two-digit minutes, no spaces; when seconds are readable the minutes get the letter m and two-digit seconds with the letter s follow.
1h12
